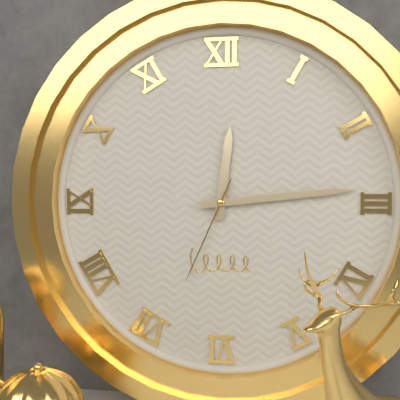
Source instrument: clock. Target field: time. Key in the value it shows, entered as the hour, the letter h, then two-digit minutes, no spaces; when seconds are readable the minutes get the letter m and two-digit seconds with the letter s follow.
12h14m34s
